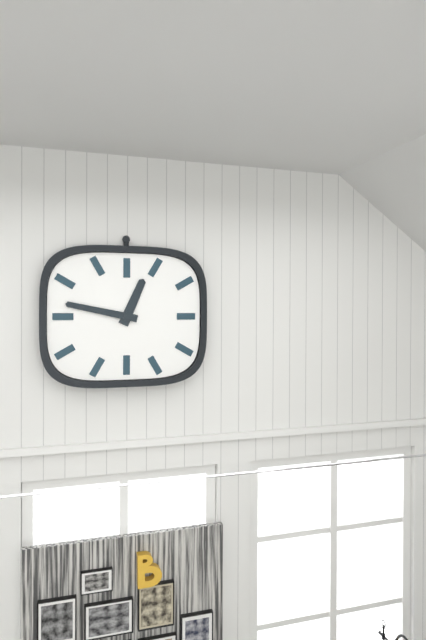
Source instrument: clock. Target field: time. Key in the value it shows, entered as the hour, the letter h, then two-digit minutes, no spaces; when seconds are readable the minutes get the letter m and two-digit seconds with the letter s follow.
12h47
